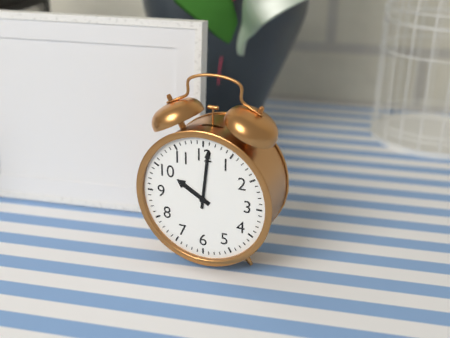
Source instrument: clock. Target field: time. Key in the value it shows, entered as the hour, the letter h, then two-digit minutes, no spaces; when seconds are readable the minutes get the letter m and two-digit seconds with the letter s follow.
10h01
